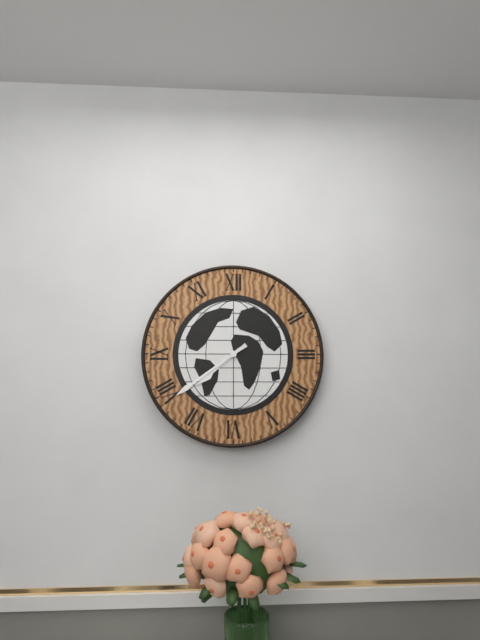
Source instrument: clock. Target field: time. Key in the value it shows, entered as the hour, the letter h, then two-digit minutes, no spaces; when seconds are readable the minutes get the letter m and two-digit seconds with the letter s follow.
7h39
